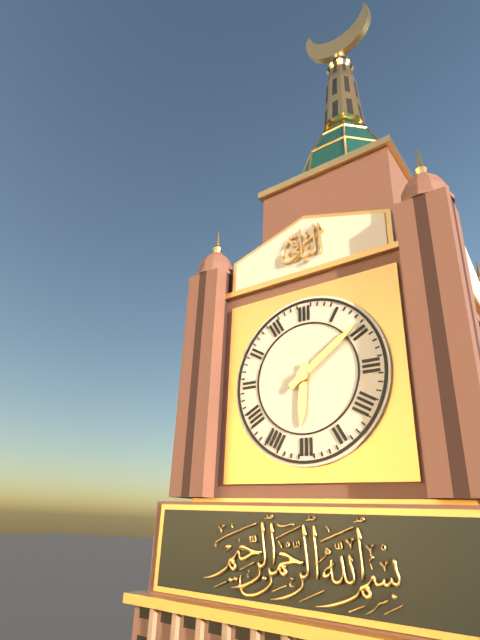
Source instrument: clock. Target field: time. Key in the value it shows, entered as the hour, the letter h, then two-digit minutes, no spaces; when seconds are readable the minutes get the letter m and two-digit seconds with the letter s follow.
6h09
